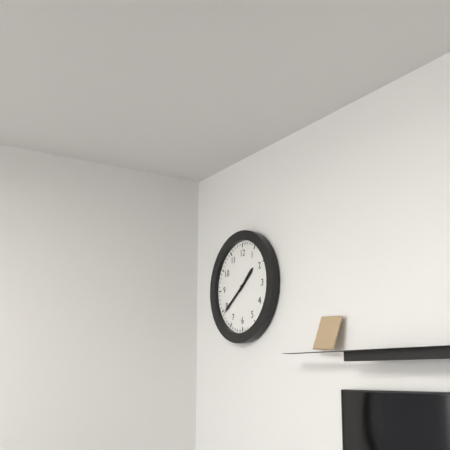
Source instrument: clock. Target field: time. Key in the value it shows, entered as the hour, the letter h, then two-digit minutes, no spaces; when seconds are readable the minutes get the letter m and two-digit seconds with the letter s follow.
1h39
